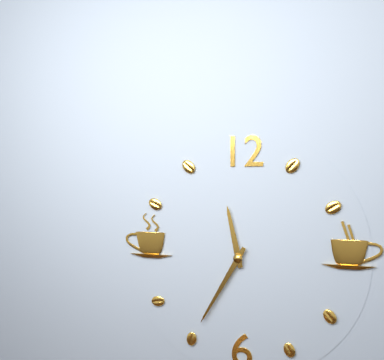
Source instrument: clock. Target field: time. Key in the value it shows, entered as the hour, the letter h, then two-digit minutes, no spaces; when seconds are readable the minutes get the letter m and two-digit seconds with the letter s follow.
11h35
